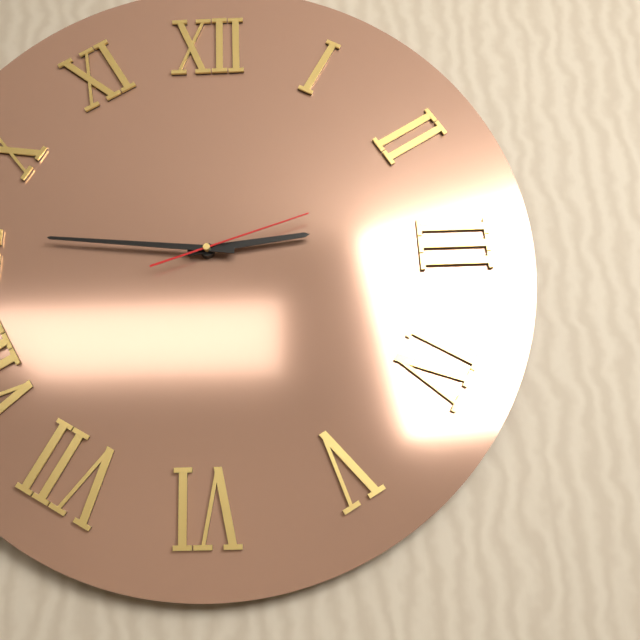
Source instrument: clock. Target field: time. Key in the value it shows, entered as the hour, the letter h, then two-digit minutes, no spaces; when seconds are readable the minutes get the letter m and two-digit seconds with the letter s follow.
2h46m12s
